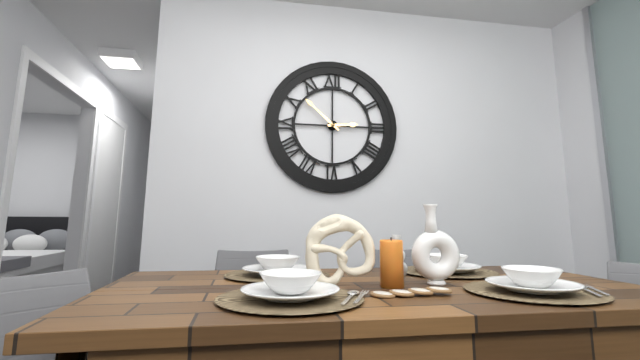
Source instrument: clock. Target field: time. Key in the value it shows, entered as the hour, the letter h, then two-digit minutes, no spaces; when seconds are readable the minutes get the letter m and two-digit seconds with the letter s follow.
2h52
